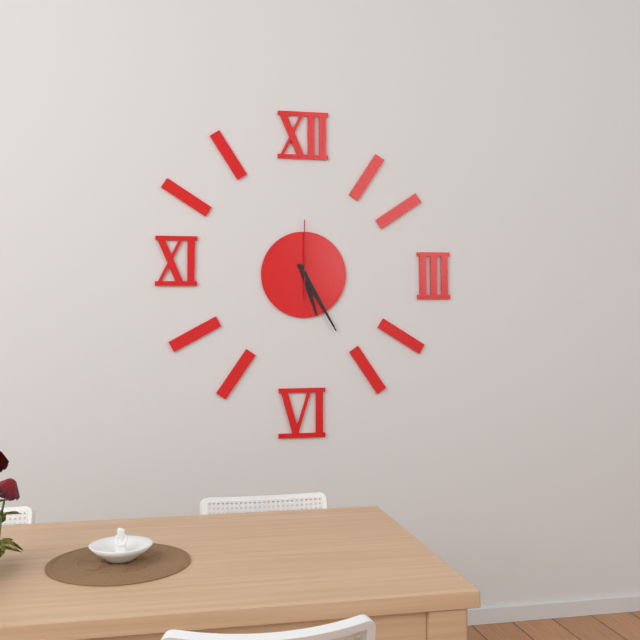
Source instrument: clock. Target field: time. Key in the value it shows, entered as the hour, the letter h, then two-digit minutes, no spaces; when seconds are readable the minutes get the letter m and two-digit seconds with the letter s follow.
5h25m00s
